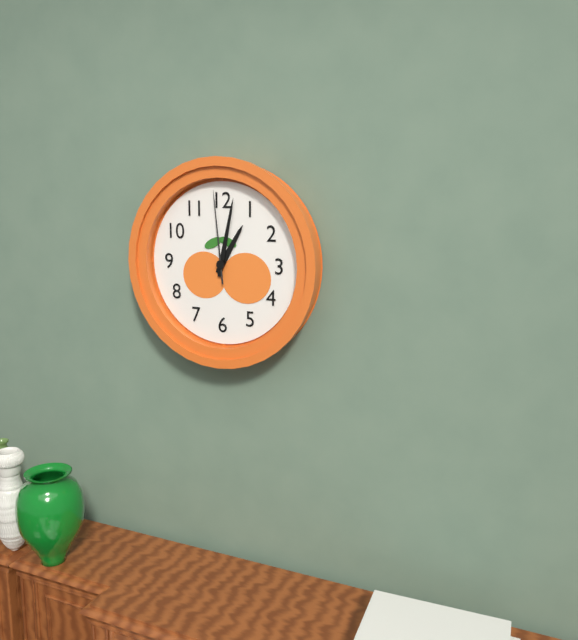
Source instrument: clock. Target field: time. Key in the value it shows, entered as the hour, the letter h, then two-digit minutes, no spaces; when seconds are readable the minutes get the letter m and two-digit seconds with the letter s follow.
1h02m59s
